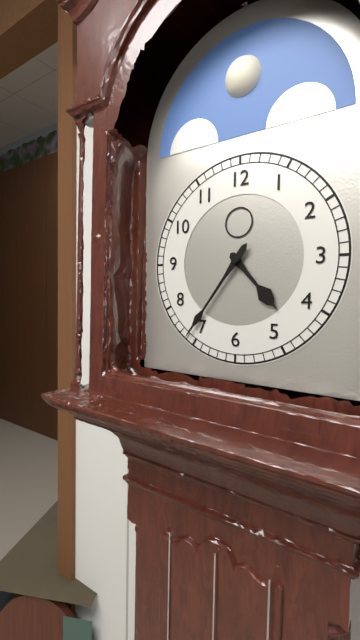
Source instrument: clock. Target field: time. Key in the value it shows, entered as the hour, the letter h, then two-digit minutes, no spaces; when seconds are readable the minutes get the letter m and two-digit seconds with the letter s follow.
4h36
